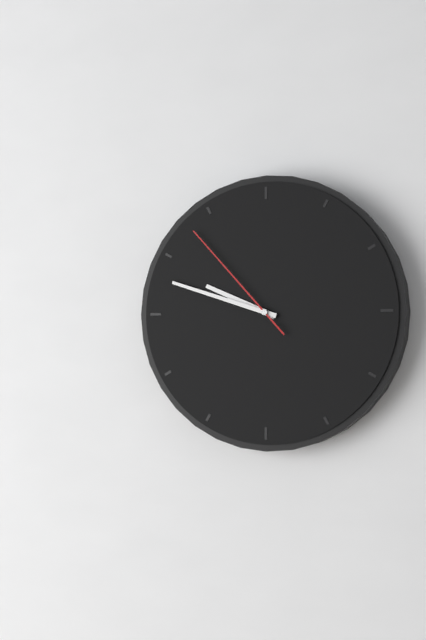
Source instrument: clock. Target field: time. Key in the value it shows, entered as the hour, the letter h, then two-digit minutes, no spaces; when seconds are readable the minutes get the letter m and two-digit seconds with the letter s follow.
9h48m53s
